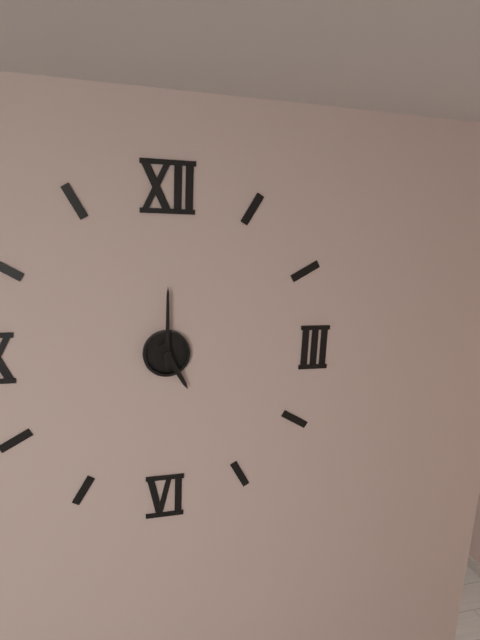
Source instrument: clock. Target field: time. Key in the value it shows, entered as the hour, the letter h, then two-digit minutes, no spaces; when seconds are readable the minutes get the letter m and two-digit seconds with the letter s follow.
5h00
